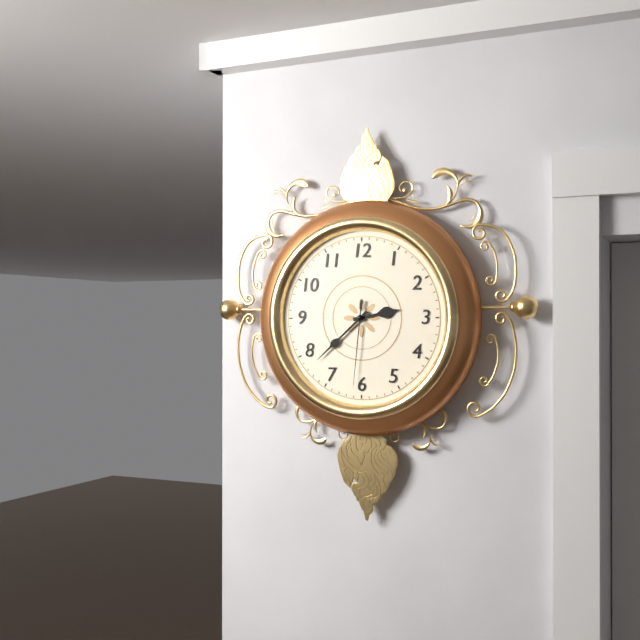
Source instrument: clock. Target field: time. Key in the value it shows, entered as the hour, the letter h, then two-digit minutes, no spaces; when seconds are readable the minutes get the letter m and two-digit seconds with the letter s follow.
2h38m31s
